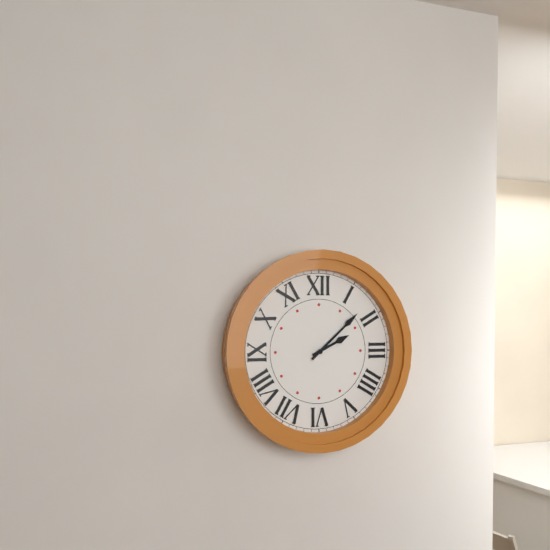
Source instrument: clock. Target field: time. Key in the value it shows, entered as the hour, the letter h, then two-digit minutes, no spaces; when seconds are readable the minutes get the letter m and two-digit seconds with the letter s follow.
2h08
